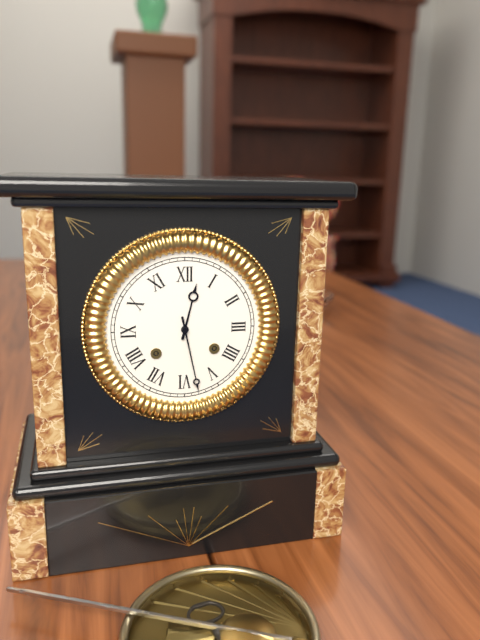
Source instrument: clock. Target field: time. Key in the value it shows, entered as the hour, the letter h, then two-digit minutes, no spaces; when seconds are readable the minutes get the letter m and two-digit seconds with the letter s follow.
12h28
